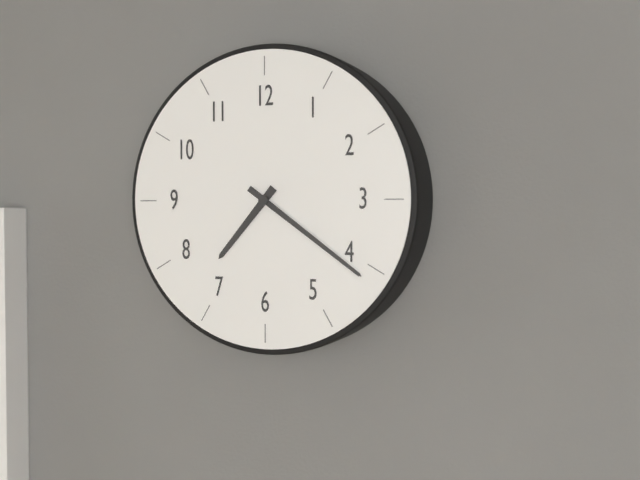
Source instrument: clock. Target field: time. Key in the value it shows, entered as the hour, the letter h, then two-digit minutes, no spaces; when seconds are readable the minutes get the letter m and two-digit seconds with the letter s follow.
7h21
